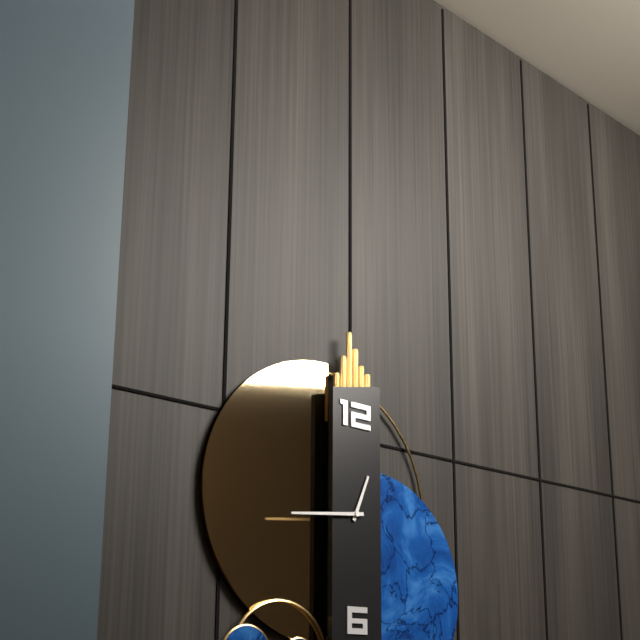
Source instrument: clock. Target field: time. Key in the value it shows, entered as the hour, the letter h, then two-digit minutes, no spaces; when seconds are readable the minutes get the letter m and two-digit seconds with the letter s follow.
12h44
